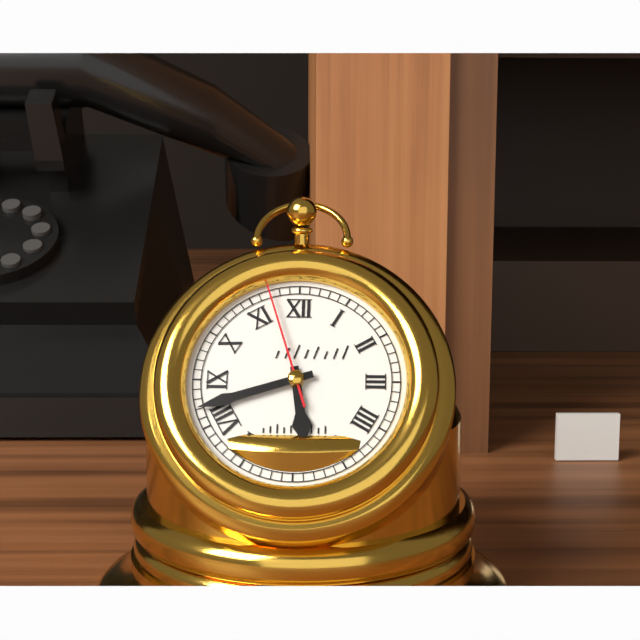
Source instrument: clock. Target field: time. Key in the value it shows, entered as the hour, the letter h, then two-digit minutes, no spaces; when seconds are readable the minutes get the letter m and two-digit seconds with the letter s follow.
5h42m57s
